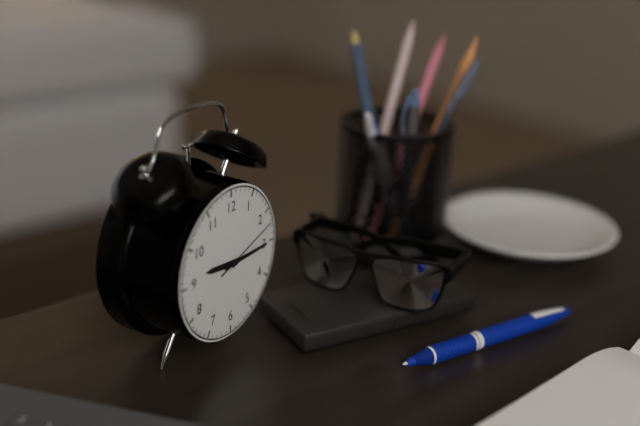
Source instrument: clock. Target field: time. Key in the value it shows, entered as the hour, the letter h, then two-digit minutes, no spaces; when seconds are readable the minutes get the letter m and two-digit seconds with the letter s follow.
9h15m12s
